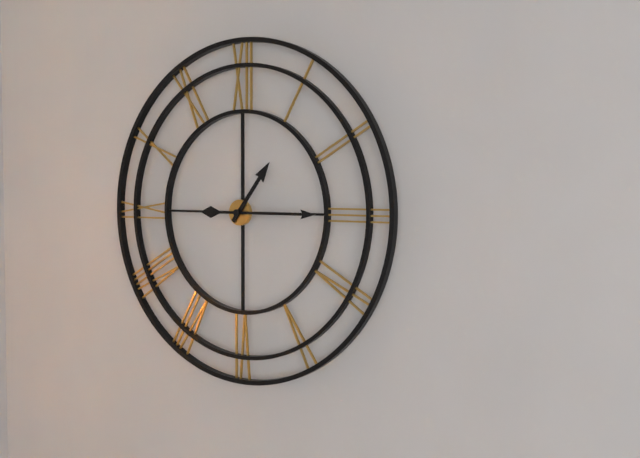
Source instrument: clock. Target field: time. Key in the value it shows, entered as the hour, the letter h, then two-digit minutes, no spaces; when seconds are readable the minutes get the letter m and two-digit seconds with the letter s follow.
1h15
